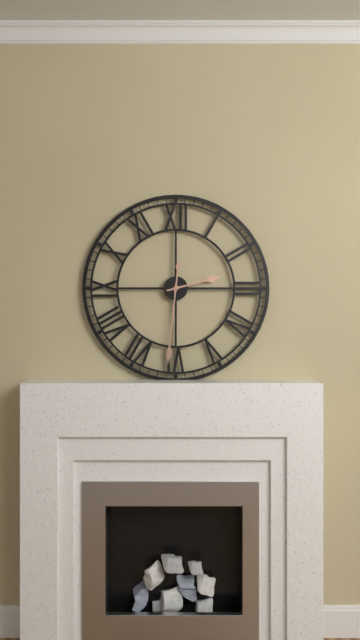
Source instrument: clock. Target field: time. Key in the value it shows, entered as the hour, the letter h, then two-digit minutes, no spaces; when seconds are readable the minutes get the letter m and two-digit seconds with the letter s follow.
2h31
